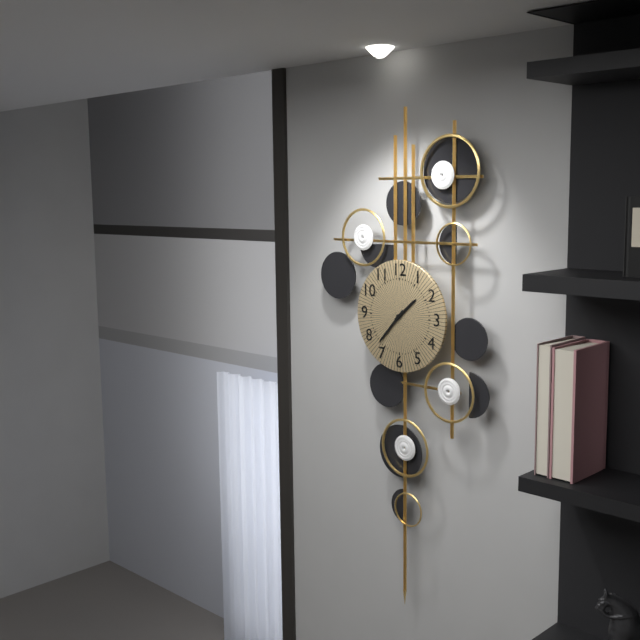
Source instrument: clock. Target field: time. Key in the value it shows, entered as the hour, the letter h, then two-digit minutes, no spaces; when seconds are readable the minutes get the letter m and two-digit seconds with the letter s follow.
1h37
